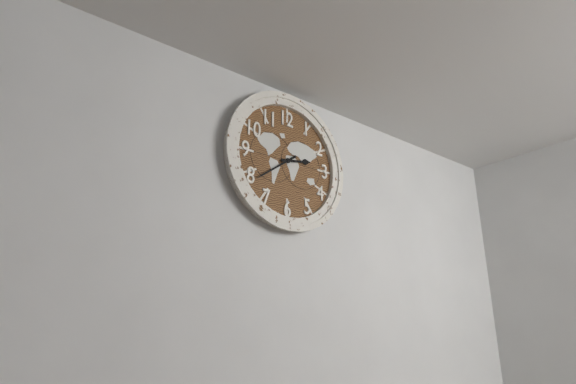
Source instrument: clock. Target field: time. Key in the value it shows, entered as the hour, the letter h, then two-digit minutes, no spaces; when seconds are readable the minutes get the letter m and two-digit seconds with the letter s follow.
2h39
